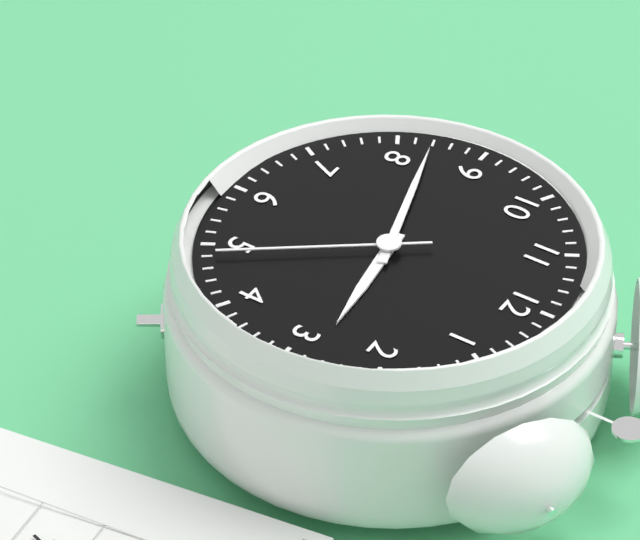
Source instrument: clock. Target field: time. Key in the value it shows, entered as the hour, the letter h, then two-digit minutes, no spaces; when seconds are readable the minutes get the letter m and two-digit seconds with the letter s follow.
2h42m24s
